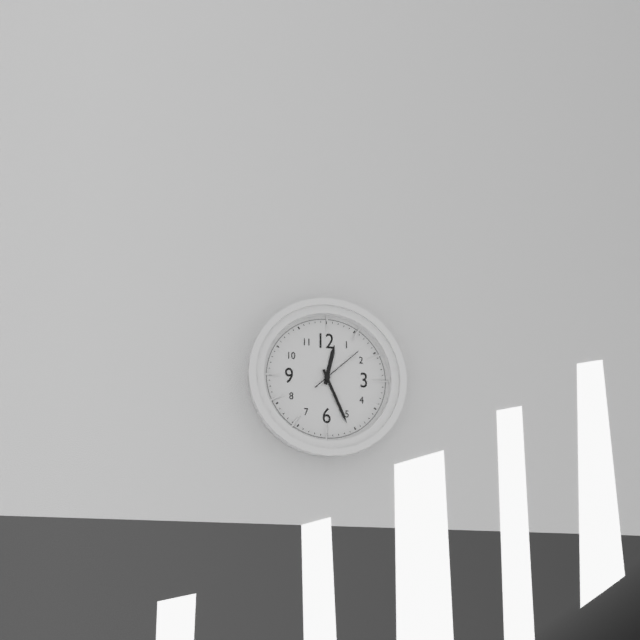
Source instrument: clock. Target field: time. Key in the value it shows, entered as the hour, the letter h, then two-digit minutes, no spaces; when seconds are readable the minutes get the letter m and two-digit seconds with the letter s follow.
12h26m08s
